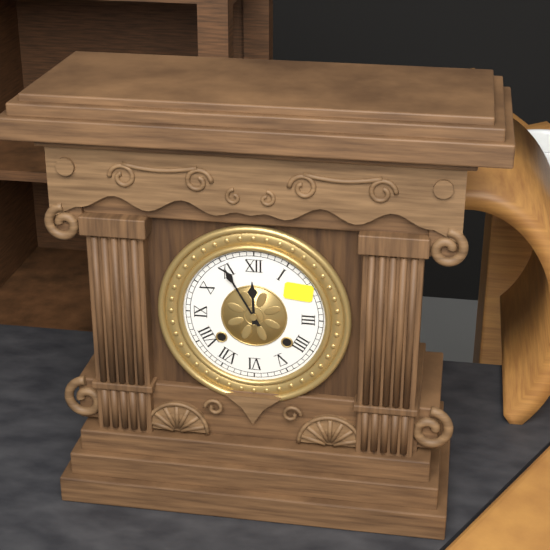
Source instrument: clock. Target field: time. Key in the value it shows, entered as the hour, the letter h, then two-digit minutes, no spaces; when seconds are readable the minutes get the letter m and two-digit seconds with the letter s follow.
11h55
